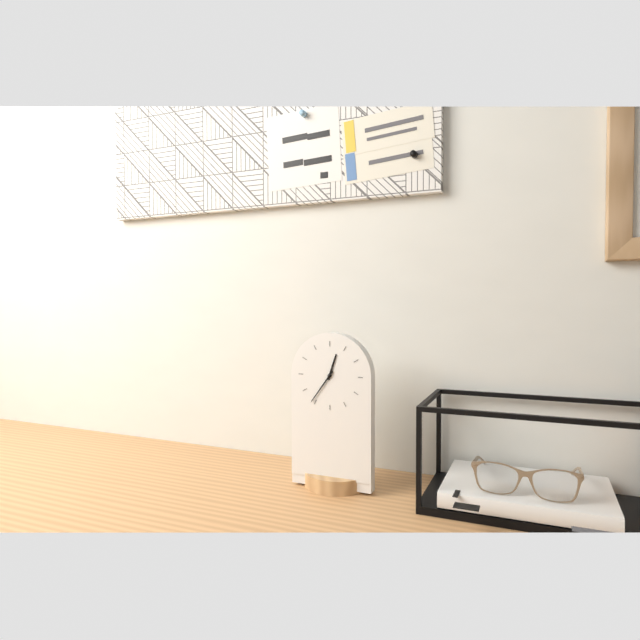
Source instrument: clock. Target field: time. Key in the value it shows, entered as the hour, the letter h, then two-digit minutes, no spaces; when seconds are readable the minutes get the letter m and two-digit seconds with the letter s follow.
12h36
